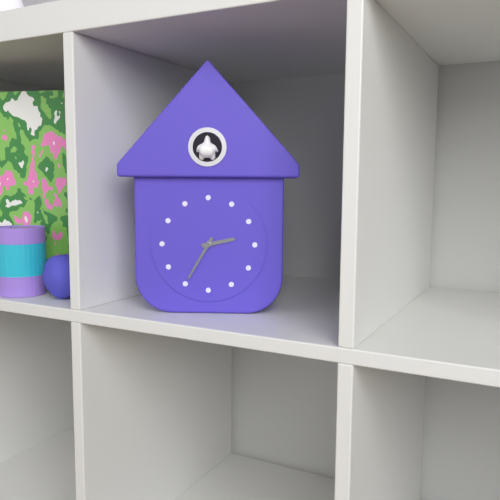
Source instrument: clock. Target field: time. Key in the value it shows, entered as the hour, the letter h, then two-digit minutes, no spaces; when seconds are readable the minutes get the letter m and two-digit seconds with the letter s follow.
2h35
